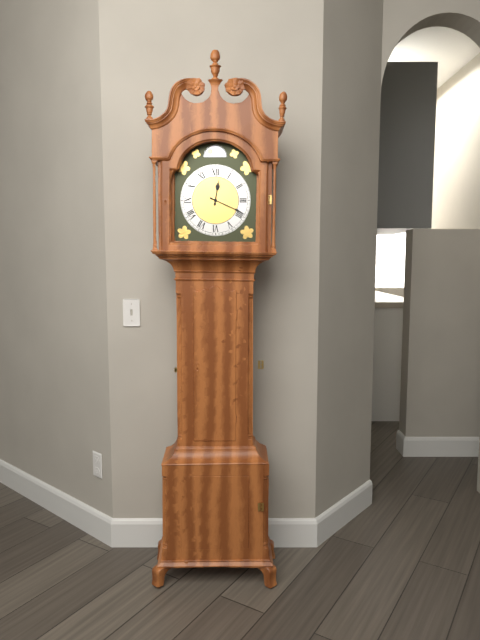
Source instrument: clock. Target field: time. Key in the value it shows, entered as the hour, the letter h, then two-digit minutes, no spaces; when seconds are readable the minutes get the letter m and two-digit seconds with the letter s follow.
12h19
